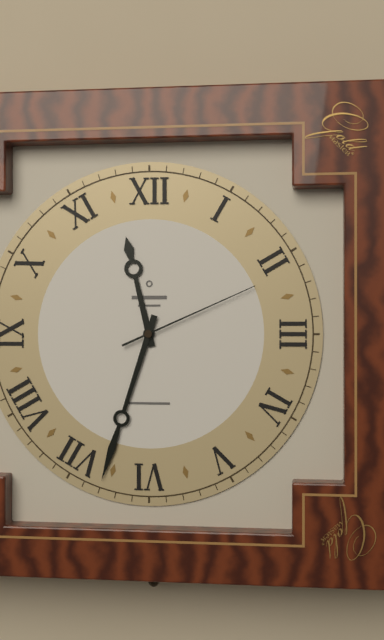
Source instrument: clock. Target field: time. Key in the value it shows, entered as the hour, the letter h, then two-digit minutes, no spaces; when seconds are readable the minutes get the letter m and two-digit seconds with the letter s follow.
11h33m11s
